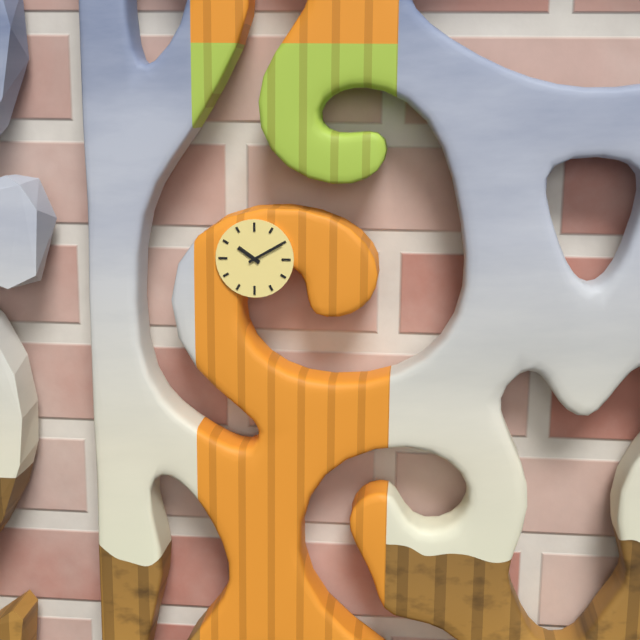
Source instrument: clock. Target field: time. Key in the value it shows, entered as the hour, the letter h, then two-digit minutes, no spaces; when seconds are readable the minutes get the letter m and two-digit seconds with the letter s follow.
10h10
